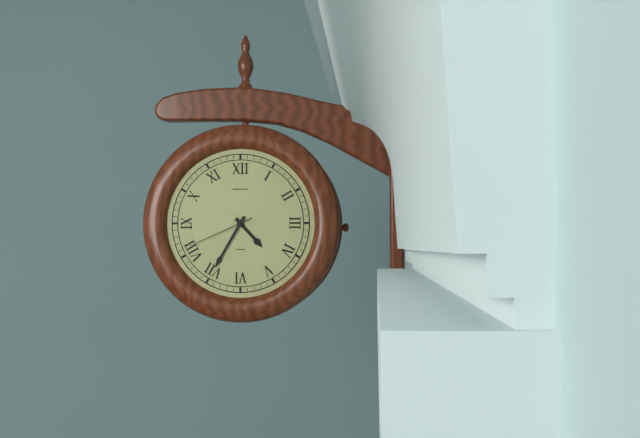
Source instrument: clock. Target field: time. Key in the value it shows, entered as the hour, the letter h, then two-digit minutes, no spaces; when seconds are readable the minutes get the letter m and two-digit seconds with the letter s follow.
4h35m41s
